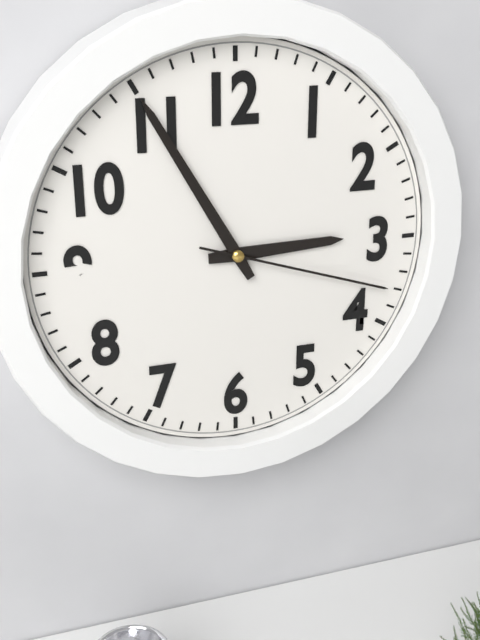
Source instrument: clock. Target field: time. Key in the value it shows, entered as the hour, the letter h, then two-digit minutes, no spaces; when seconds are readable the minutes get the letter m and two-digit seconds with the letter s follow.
2h55m18s
